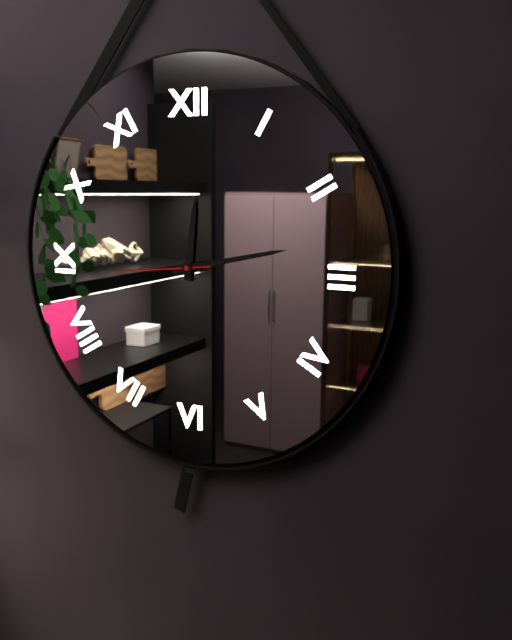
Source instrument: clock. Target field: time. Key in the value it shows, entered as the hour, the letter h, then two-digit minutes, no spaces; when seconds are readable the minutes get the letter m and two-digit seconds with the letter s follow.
12h13m44s
